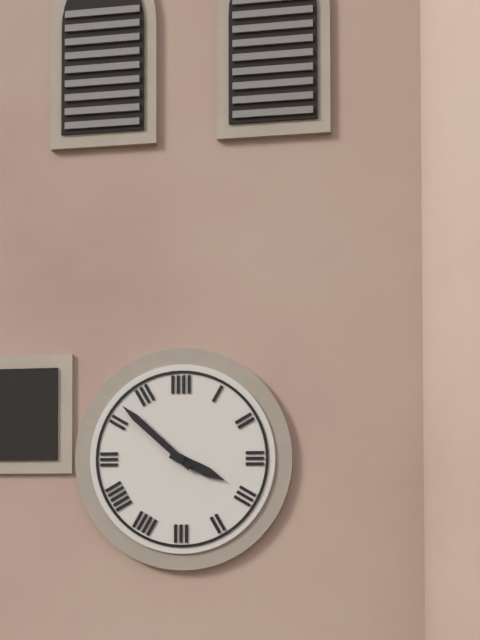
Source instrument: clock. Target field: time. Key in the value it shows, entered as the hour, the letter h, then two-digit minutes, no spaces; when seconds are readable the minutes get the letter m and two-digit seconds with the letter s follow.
3h52
